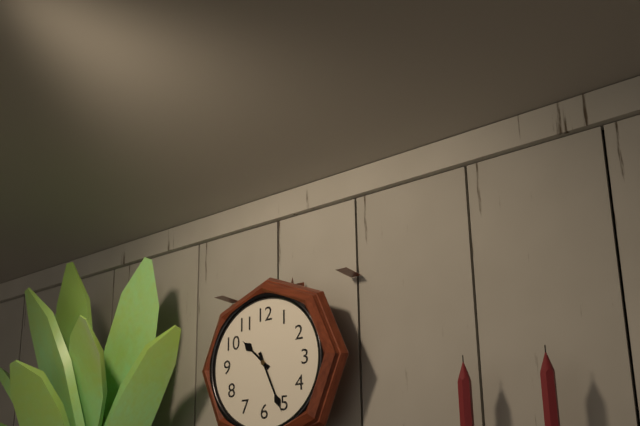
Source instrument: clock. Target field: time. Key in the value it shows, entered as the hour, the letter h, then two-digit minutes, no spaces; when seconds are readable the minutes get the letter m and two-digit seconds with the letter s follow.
10h26
